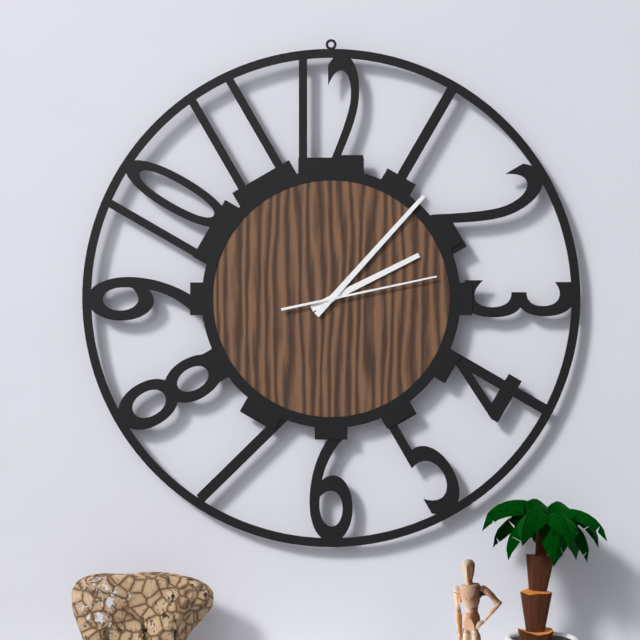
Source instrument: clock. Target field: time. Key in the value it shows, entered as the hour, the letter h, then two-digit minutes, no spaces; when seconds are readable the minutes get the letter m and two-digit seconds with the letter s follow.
2h07m13s
